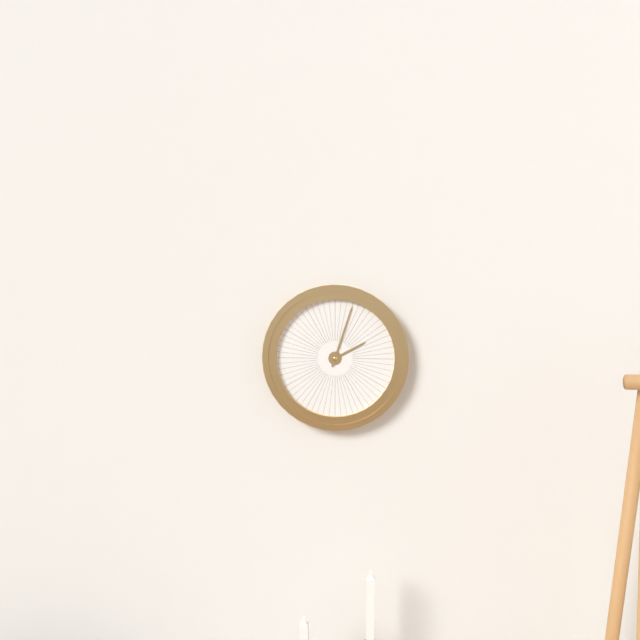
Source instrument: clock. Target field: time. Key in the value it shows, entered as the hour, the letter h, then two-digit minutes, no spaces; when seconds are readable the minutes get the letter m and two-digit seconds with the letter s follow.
2h03
